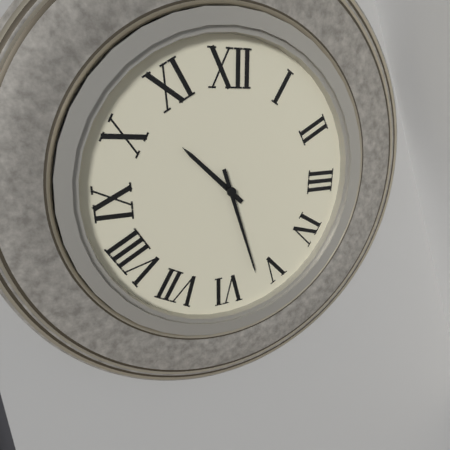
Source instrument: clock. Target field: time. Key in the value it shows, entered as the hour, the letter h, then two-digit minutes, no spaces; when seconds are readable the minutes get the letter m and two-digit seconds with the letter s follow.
10h27
